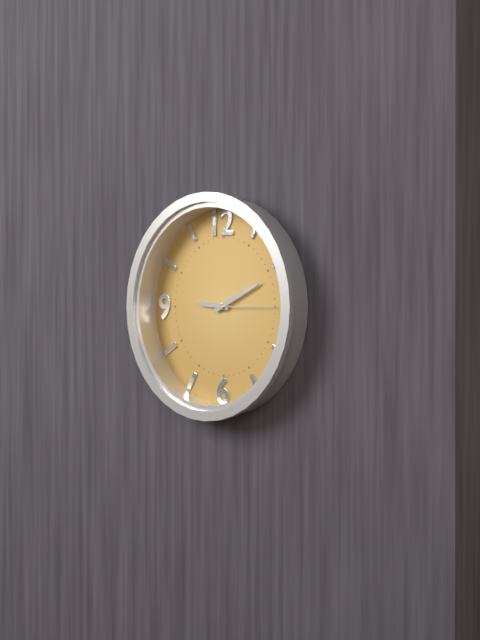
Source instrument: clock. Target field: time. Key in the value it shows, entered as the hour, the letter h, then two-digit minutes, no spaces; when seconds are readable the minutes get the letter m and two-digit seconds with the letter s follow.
9h11m15s
